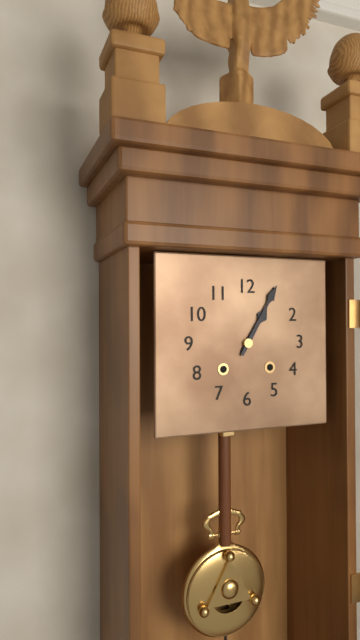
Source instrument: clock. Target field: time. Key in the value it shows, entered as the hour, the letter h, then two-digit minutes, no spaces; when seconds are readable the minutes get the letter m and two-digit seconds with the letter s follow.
1h05
